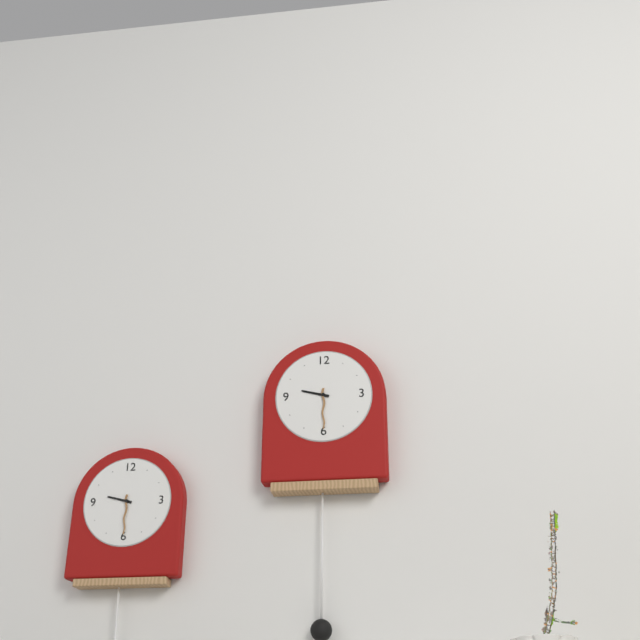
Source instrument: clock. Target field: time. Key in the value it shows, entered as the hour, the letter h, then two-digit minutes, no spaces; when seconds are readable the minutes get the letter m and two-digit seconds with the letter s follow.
9h30
